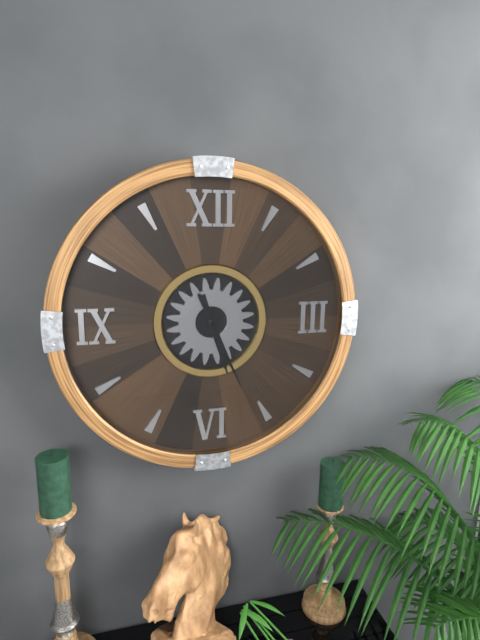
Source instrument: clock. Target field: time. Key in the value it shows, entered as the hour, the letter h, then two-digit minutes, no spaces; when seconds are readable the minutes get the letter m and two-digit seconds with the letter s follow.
5h26
